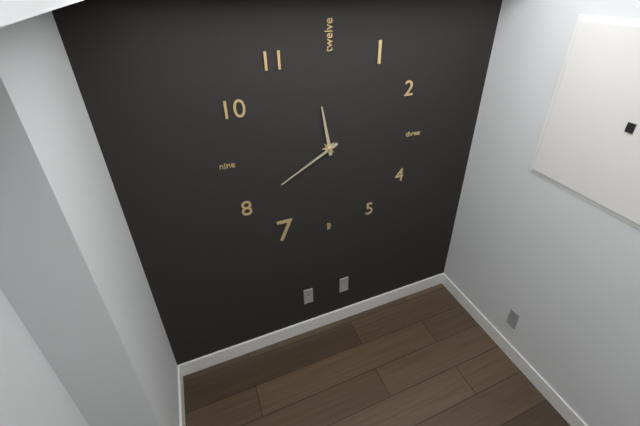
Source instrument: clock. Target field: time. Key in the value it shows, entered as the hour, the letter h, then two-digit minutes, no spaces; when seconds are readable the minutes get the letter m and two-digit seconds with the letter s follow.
11h40
